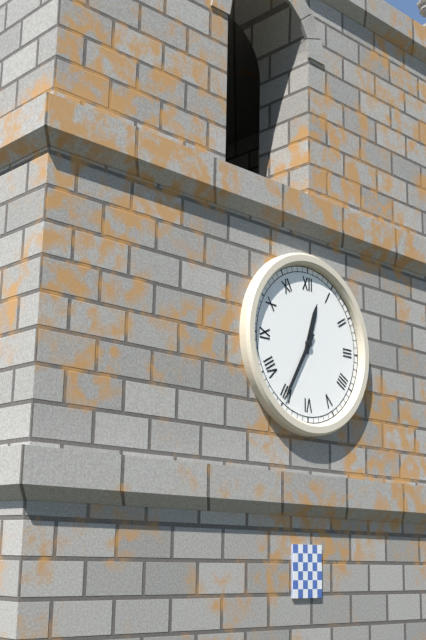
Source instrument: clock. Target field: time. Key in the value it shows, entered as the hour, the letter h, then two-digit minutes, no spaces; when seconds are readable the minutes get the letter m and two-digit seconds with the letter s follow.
12h35
